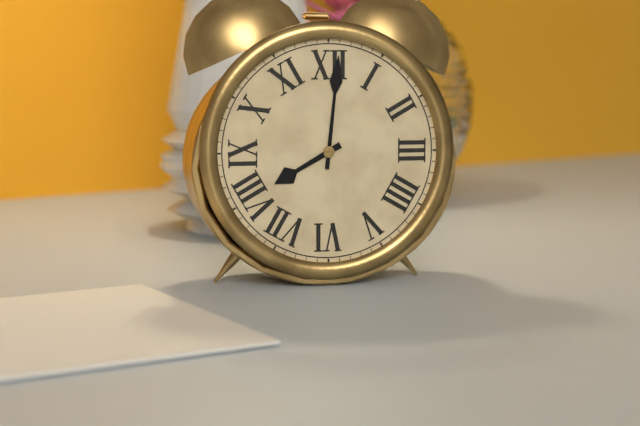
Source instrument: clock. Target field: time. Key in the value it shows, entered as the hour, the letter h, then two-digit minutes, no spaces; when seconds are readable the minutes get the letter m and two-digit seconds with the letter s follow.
8h01
